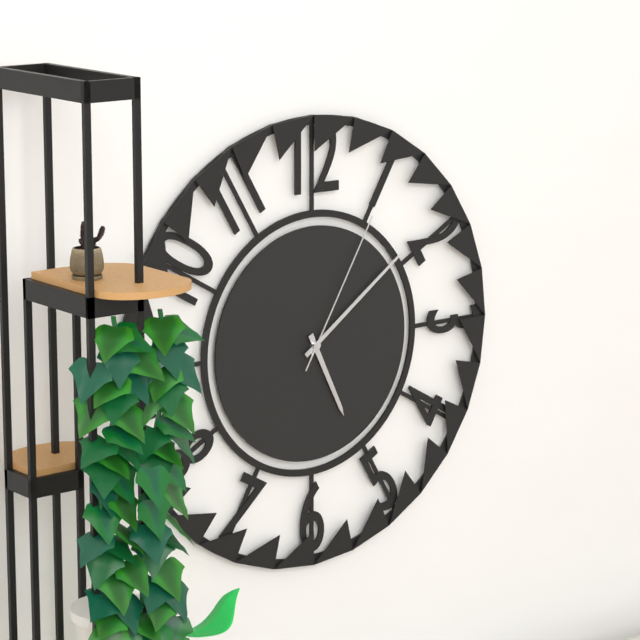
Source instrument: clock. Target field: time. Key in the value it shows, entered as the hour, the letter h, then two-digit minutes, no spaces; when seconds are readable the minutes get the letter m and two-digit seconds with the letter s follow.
5h09m05s
